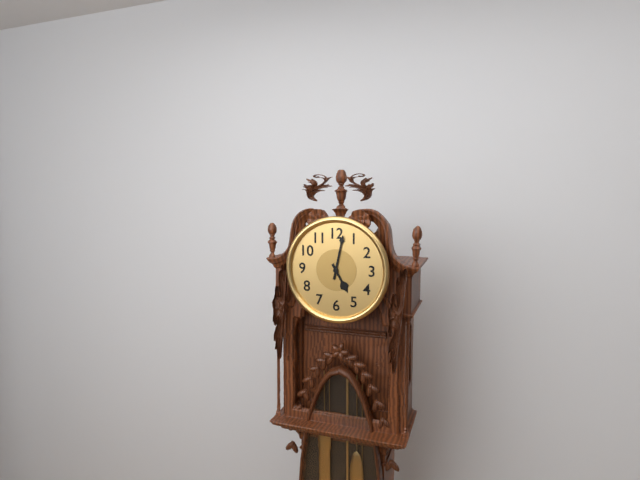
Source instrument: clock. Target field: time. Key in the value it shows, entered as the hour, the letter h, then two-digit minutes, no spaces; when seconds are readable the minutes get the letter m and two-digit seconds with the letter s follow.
5h02
